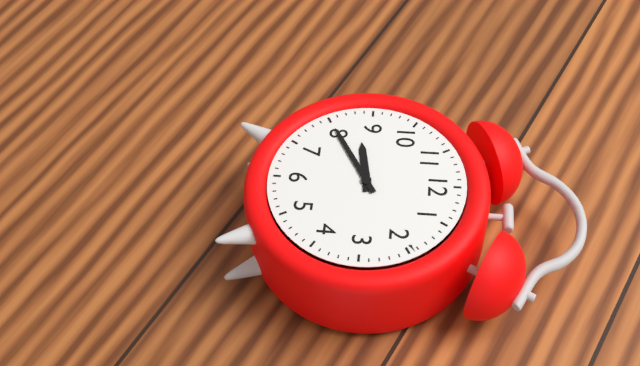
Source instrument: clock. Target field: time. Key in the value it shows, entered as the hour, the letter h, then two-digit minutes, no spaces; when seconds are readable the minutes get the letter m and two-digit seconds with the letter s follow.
8h40
